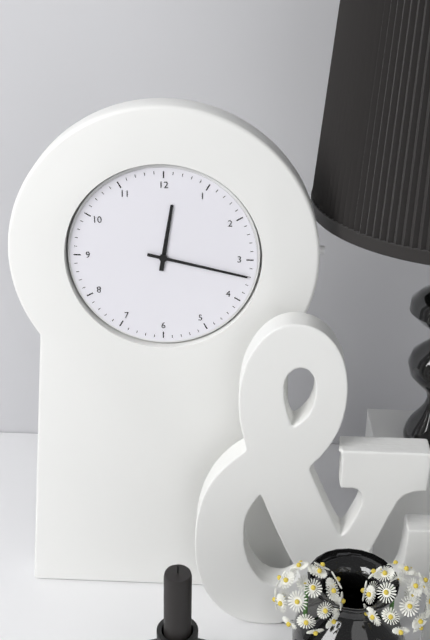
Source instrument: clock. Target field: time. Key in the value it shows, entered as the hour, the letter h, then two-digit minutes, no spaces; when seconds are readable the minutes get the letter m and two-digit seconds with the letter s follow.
12h17
